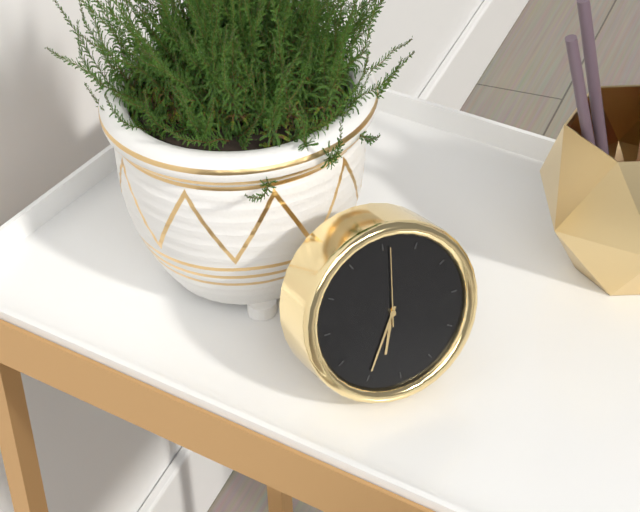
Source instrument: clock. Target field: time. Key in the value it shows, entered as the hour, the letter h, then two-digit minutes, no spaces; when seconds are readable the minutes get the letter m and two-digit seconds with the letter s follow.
6h35m01s
